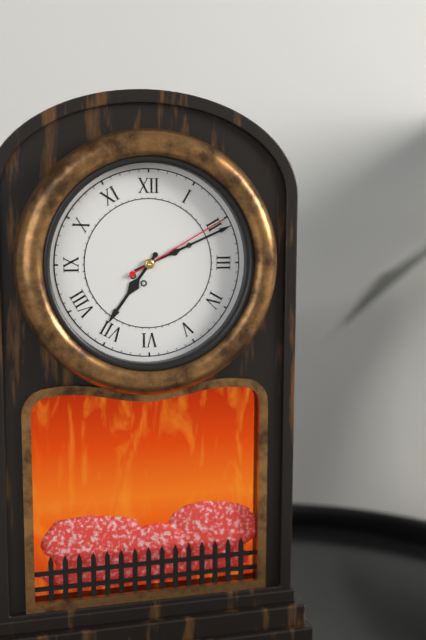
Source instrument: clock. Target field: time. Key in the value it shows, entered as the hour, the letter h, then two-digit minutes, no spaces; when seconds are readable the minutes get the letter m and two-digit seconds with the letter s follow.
7h11m10s
